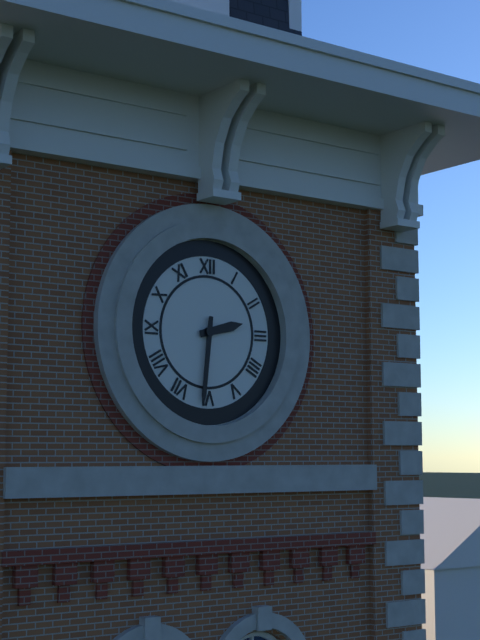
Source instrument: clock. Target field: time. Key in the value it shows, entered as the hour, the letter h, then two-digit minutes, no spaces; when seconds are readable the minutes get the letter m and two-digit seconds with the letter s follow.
2h31
